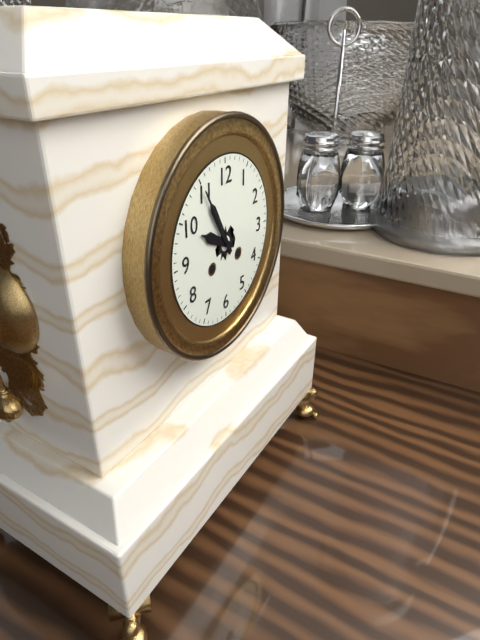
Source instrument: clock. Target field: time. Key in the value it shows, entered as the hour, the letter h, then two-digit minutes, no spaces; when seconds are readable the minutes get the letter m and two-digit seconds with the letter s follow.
9h55
